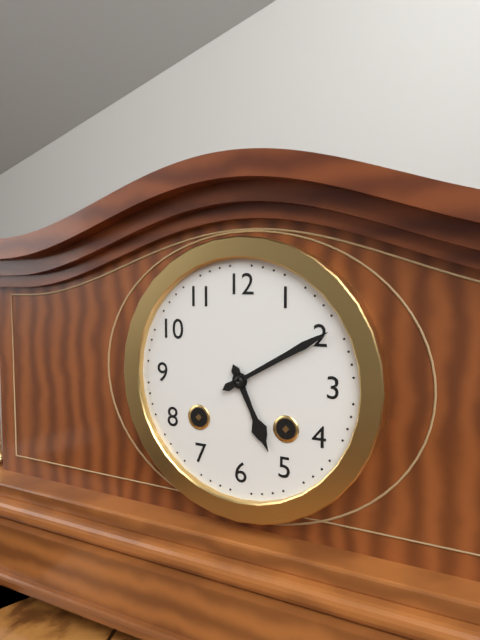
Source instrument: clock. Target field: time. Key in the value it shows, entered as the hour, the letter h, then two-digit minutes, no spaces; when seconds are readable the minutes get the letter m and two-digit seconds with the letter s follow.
5h10
